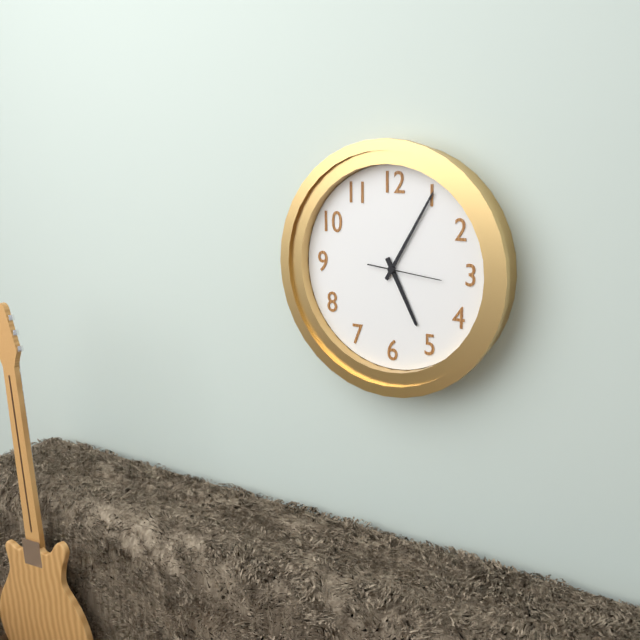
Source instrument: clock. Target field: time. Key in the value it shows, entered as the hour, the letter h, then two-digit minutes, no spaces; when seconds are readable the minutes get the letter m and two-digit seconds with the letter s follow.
5h05m16s
